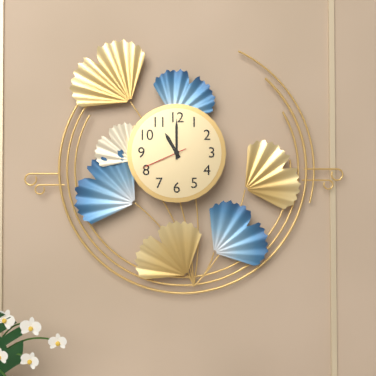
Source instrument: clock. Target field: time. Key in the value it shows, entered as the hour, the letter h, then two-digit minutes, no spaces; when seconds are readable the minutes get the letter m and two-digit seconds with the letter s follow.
11h00
